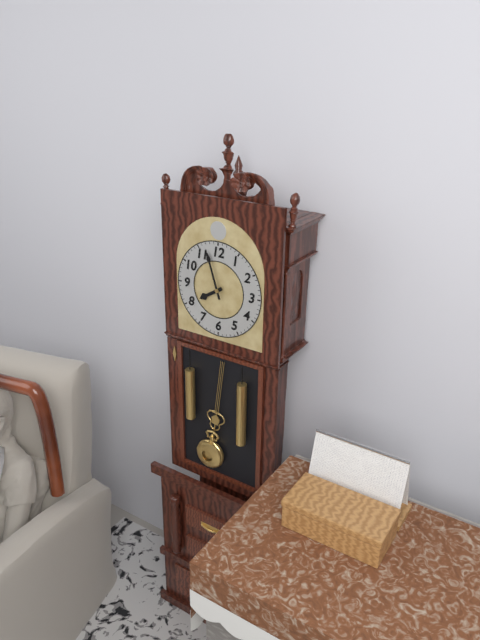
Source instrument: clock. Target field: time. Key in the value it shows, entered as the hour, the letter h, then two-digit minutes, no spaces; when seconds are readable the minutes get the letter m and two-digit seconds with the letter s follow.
7h57
